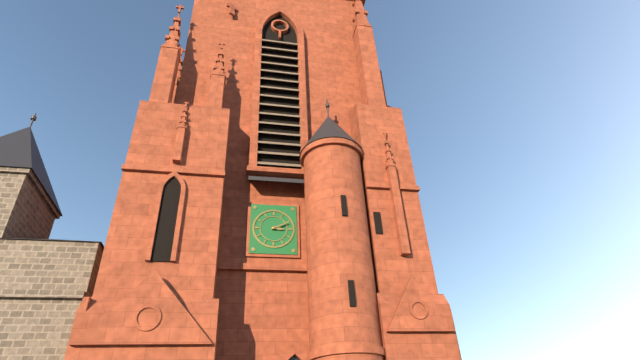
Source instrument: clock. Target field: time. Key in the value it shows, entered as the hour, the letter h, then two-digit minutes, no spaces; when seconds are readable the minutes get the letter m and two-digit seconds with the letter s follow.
3h11
